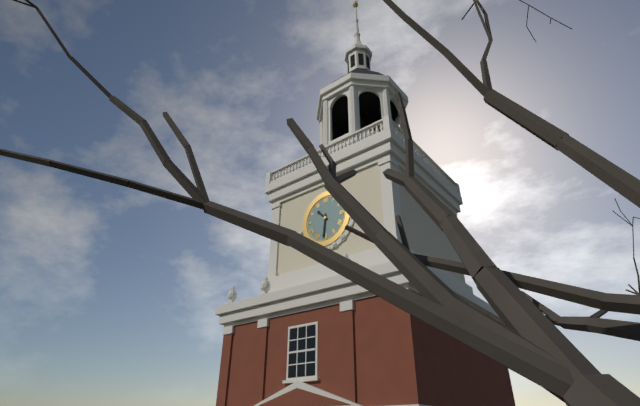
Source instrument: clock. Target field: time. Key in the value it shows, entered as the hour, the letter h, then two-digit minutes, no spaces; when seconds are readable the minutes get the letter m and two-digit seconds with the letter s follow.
10h31
